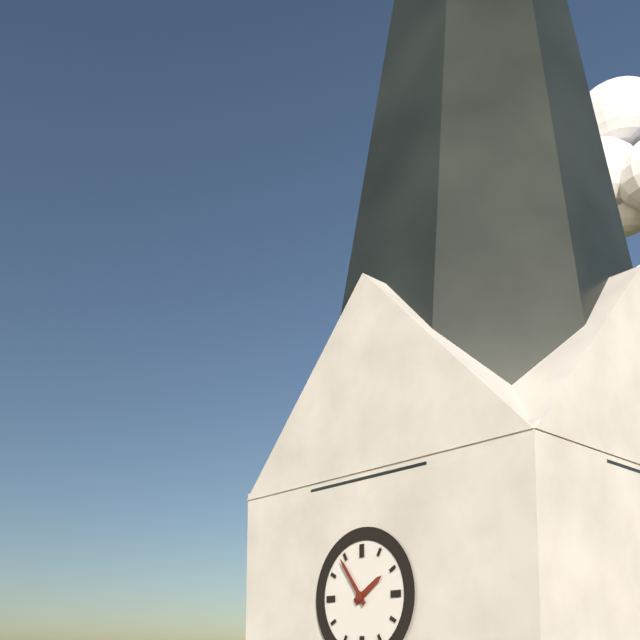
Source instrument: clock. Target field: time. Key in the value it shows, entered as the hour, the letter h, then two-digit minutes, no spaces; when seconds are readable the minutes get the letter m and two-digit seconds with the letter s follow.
1h54
